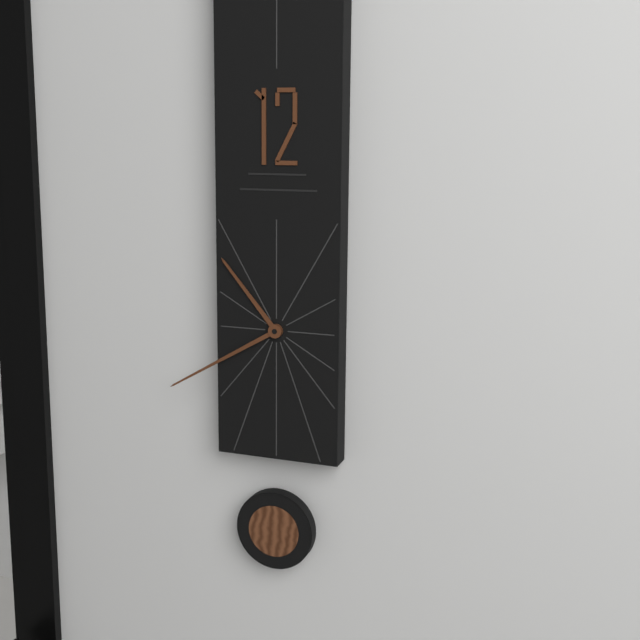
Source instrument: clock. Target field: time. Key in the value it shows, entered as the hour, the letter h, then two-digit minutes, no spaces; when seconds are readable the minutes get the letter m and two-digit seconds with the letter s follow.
10h40
